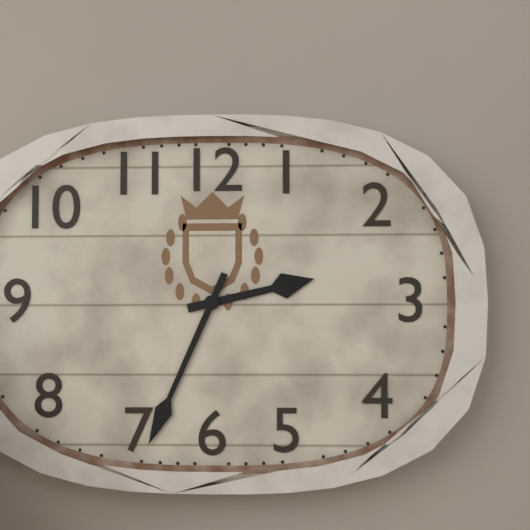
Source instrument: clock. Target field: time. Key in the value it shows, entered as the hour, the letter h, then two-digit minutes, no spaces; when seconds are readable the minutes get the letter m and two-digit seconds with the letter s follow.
2h34
